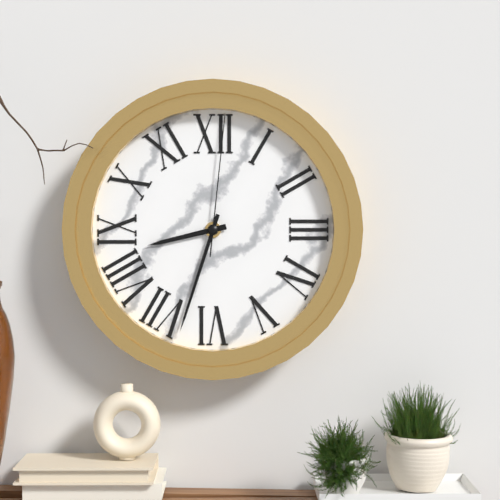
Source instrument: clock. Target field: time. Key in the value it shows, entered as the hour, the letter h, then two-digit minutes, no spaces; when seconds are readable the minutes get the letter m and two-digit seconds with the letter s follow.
8h33m01s
